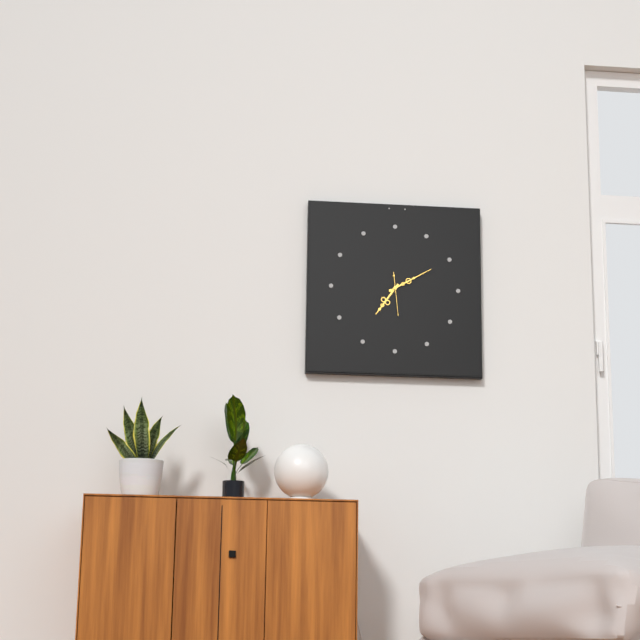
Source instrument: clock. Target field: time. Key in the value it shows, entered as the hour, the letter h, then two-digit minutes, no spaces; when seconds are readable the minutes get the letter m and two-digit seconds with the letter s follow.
7h10
